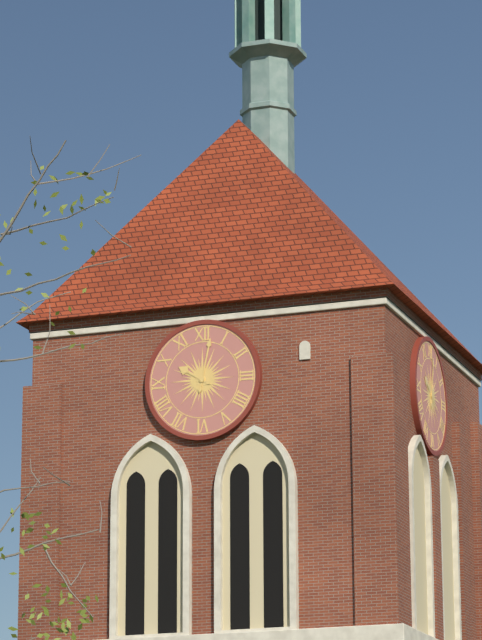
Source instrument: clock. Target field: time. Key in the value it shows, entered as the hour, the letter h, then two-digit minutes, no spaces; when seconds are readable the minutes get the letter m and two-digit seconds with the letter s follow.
10h02
